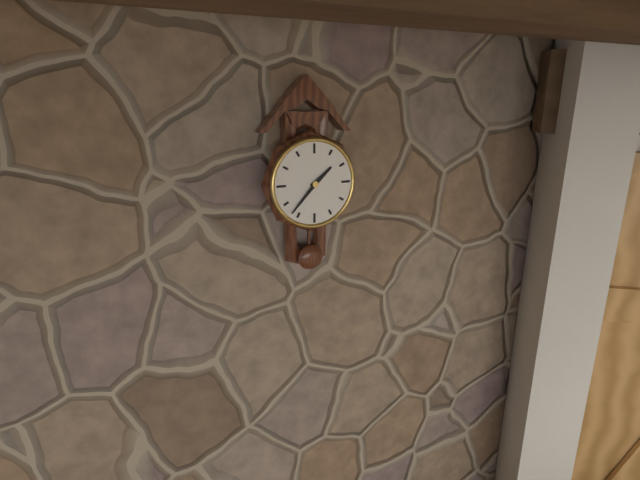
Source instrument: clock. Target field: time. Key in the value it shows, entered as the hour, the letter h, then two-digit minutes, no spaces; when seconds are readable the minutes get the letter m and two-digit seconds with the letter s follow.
1h37
